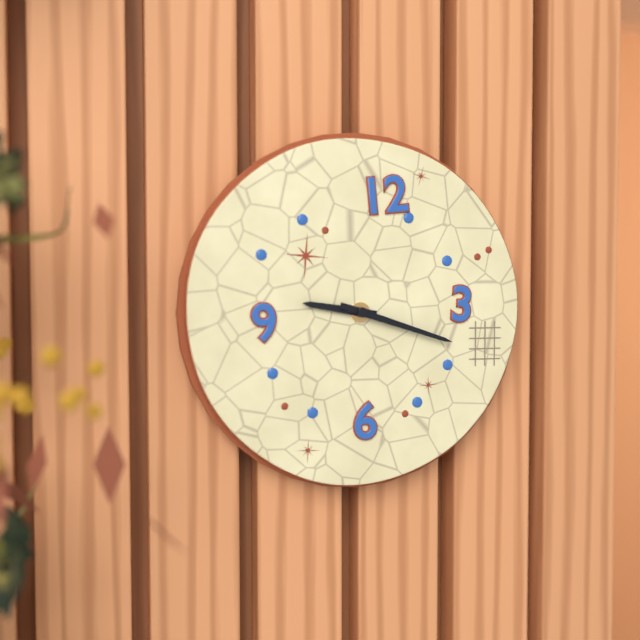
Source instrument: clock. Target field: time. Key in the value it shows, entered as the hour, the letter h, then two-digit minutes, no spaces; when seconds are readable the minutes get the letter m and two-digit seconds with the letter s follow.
9h18
